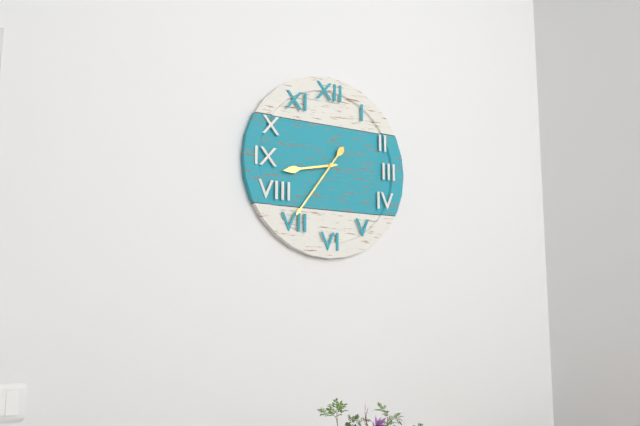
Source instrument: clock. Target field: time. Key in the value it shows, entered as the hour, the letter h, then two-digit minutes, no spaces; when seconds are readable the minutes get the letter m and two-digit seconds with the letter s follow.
8h36
